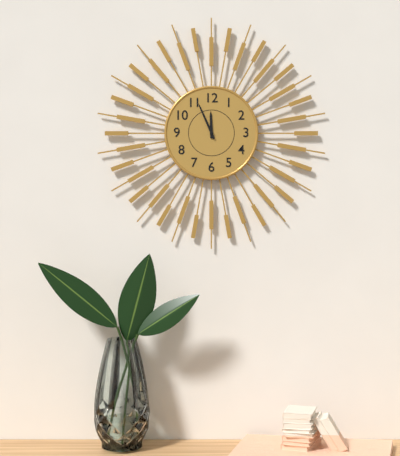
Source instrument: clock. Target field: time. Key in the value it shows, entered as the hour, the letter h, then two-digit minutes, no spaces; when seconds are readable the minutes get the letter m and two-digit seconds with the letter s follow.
11h56
